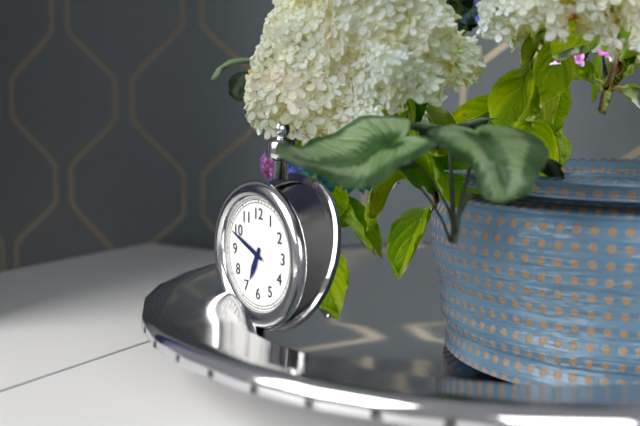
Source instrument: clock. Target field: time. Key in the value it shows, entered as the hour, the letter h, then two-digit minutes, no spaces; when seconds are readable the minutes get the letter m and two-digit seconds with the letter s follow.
6h49
